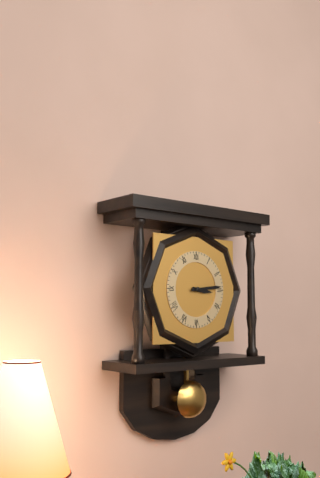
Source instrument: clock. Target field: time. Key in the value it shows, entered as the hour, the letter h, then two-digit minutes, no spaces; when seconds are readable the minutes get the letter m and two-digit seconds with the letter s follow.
3h14
